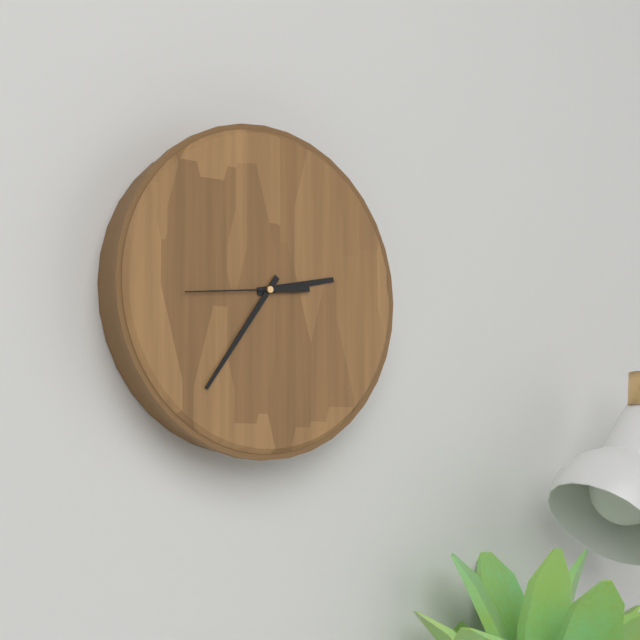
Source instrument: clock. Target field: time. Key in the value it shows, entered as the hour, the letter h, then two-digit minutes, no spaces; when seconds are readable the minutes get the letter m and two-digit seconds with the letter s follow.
2h36m44s
